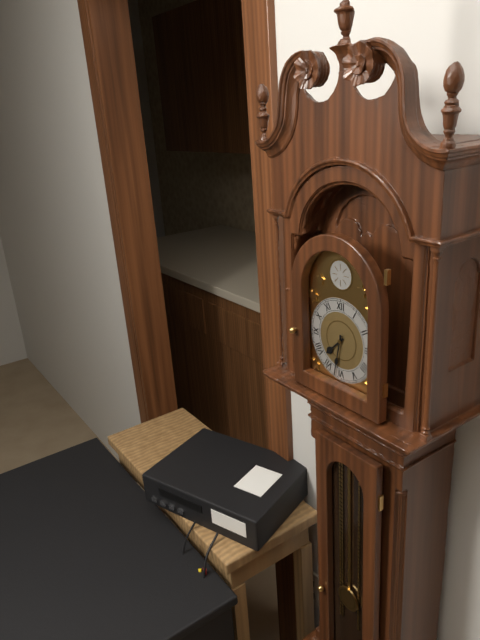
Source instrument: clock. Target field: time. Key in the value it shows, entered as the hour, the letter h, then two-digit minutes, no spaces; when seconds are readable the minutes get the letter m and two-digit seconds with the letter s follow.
7h32
